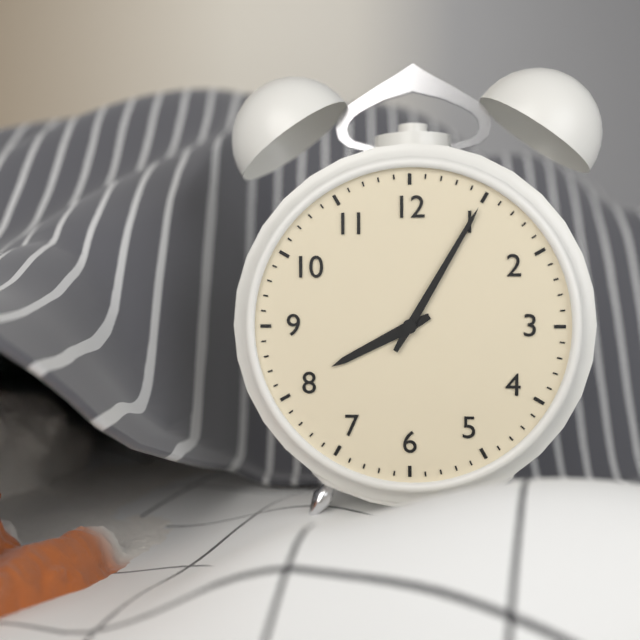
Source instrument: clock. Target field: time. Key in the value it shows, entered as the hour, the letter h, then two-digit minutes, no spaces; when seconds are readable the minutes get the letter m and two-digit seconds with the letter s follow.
8h05
